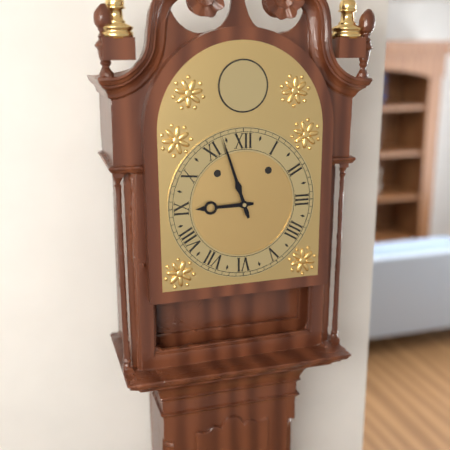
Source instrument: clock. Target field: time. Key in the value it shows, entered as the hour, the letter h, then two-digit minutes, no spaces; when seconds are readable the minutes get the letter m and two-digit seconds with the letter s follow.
8h57
